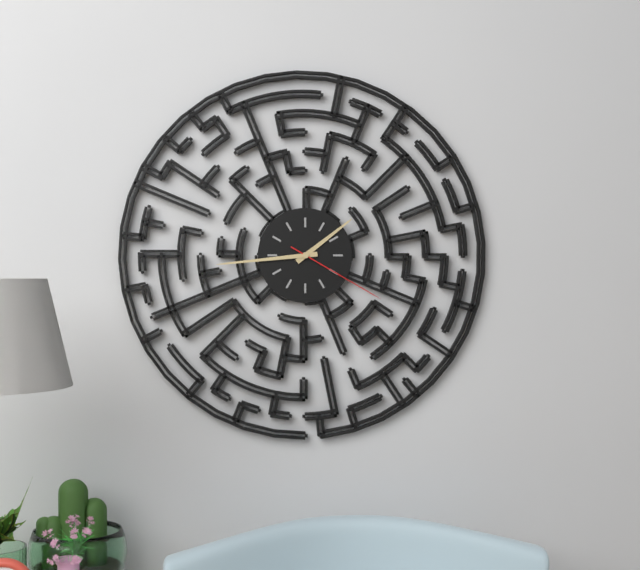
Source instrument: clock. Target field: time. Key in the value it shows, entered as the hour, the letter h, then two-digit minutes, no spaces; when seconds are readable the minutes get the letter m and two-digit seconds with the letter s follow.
1h44m20s
